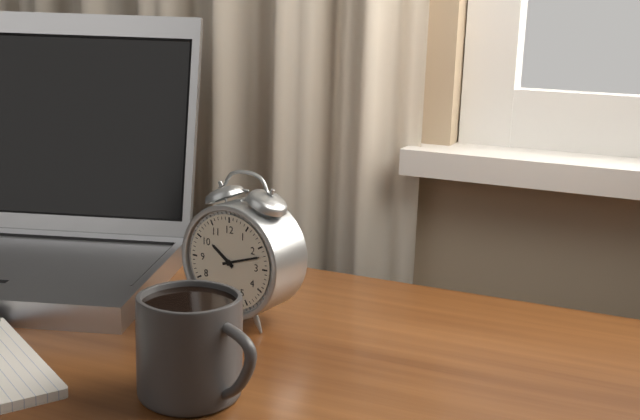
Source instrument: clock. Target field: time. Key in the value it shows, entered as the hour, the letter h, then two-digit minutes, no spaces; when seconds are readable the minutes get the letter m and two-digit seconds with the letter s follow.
10h12
